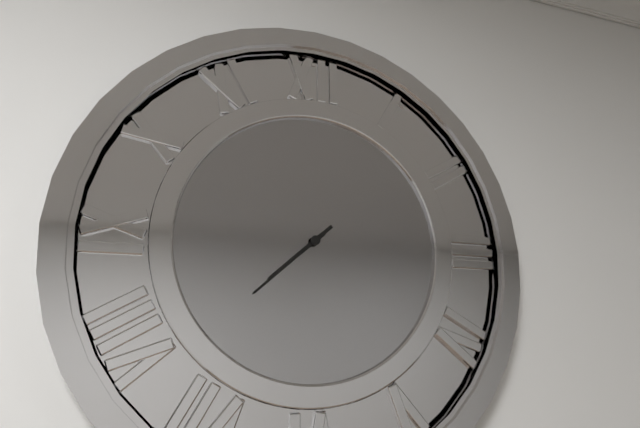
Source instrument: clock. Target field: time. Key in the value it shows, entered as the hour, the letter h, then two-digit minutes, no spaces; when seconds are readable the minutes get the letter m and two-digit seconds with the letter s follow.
7h38
